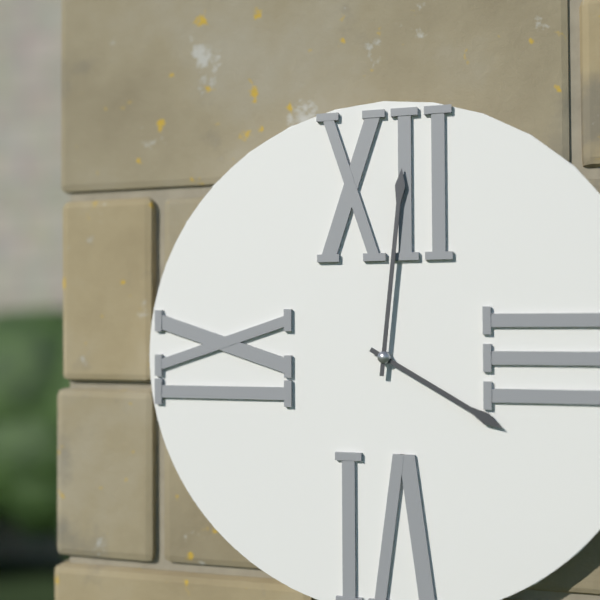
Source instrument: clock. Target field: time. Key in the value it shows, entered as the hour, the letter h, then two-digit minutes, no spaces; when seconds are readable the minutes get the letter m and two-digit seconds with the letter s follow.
4h01
